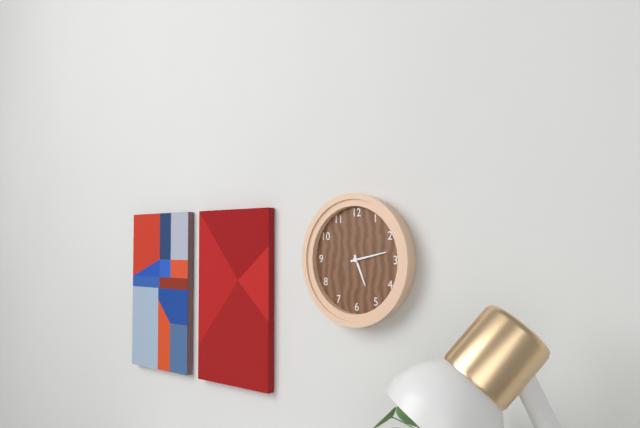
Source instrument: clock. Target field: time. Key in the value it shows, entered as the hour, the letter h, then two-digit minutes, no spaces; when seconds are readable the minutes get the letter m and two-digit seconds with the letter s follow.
5h13
